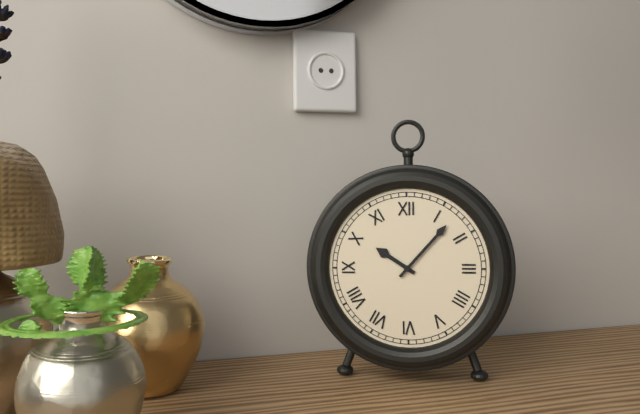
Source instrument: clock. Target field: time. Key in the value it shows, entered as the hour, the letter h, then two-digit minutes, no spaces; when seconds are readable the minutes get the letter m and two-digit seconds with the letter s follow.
10h07
